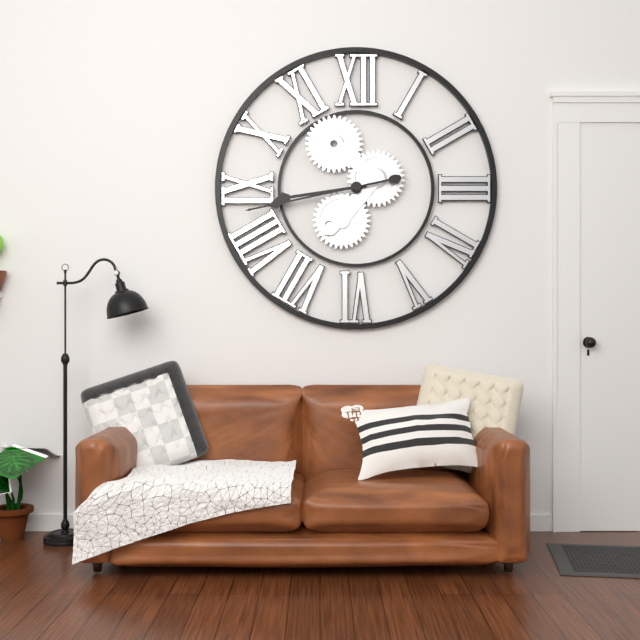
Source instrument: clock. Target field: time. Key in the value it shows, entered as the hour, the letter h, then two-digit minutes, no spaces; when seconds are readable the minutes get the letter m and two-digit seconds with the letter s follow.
8h43
